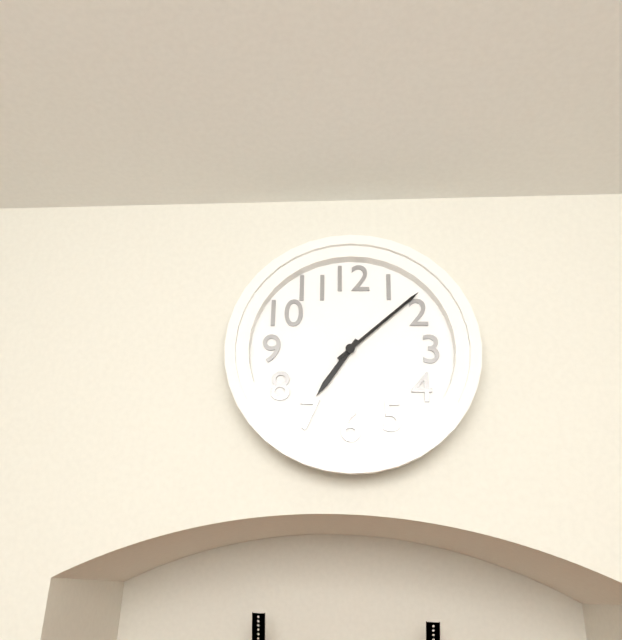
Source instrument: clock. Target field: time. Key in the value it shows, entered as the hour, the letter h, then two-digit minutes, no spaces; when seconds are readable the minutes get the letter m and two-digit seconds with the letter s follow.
7h08
